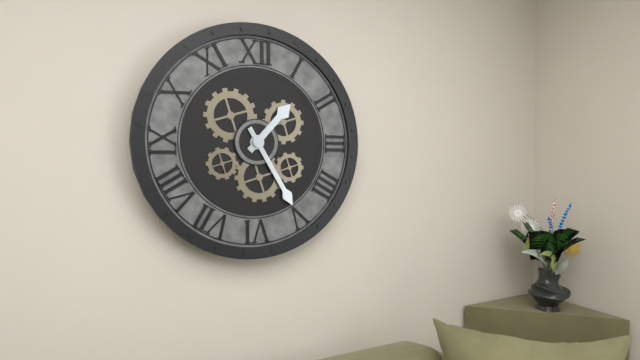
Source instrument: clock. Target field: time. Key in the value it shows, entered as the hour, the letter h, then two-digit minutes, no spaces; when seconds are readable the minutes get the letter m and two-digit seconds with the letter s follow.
1h25
